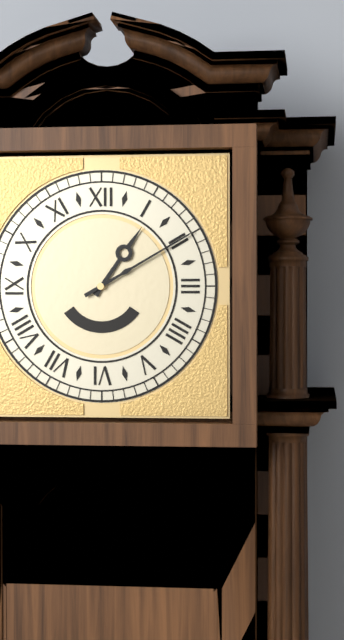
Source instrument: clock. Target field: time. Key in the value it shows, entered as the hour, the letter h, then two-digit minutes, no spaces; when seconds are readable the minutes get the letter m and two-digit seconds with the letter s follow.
1h10
